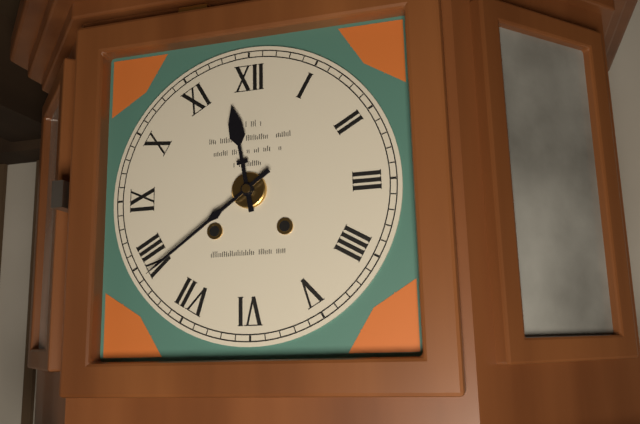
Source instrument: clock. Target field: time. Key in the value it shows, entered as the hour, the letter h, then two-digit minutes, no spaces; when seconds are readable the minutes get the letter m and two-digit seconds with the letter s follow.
11h39
